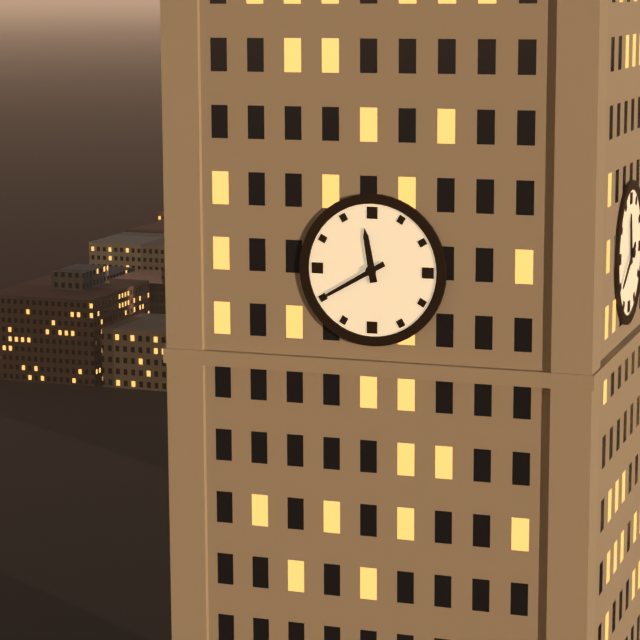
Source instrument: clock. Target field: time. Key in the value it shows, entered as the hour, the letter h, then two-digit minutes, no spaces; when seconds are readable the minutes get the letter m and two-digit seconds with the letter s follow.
11h40
